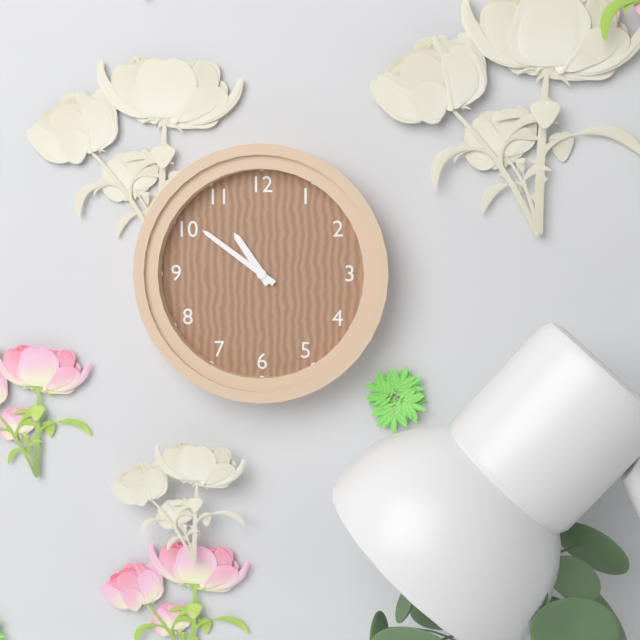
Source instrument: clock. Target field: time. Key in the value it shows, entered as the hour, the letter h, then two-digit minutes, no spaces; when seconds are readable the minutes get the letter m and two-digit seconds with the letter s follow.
10h51
